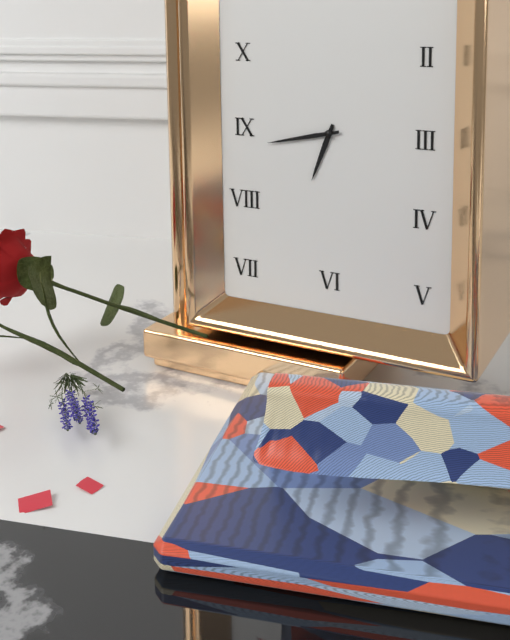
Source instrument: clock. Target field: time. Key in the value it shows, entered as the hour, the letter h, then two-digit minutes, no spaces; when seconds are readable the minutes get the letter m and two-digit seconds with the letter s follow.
6h43
